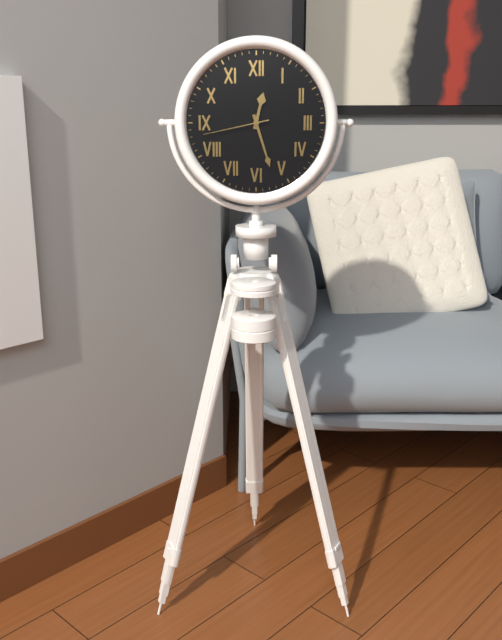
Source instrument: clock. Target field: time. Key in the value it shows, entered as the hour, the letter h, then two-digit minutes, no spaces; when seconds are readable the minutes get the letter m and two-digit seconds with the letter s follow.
12h27m43s
